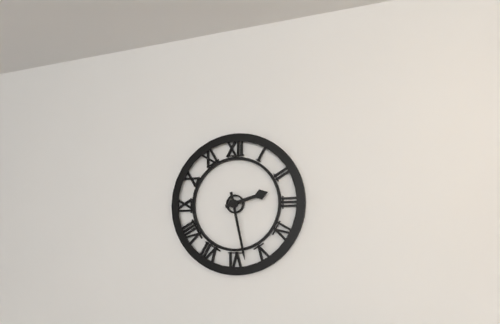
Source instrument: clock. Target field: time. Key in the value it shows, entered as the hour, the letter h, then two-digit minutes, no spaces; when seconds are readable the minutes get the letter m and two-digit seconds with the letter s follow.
2h28
